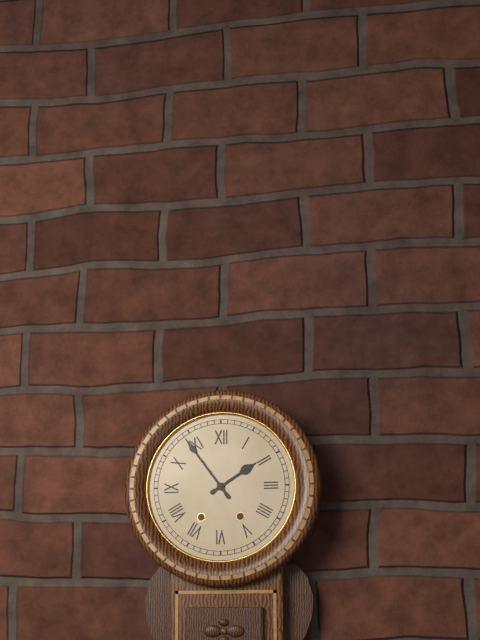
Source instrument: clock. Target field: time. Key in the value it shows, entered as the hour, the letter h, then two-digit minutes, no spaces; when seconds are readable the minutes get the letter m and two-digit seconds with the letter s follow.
1h54
